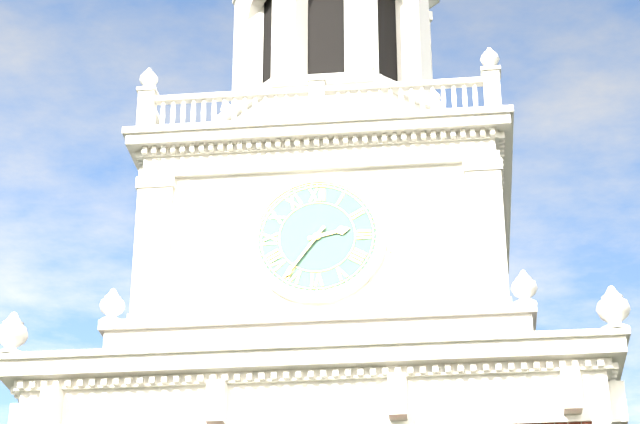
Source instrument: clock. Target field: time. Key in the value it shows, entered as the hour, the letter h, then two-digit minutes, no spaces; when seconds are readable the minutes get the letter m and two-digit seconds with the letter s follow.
2h36
